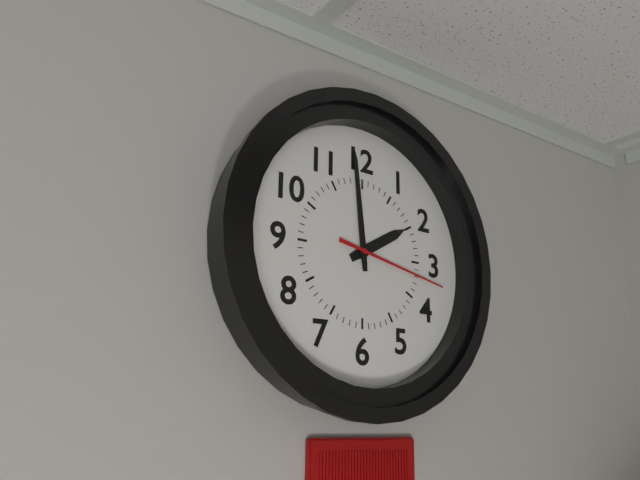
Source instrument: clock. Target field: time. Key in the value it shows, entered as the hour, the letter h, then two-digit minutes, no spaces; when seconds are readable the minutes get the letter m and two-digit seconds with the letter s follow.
1h59m17s
